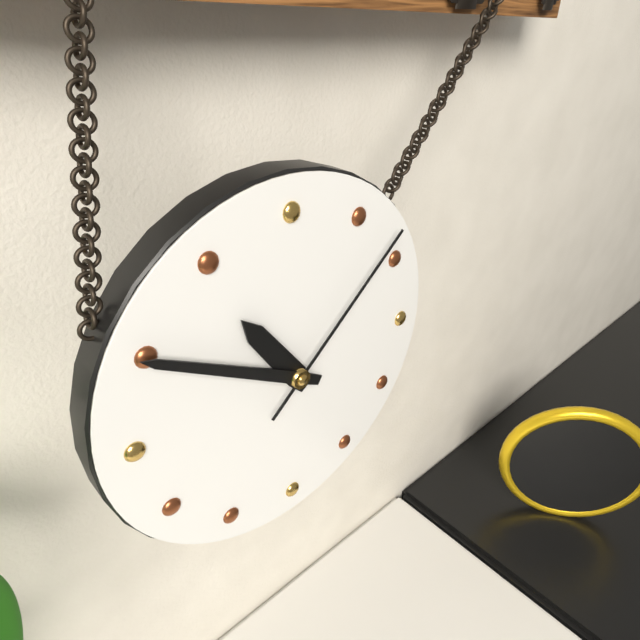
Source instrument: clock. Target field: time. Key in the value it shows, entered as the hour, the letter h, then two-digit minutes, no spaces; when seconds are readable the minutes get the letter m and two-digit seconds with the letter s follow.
10h50m08s
